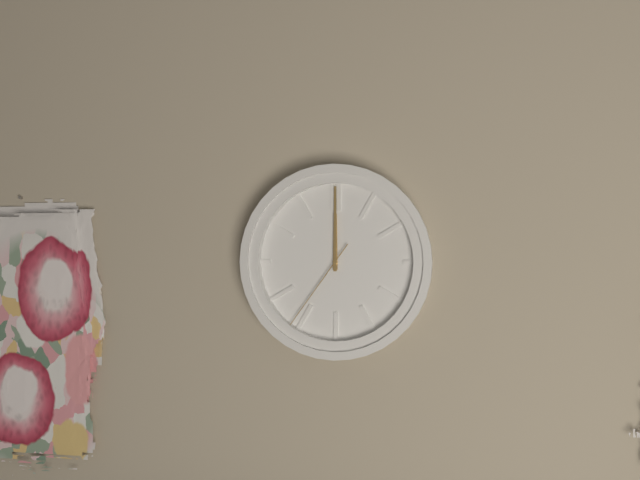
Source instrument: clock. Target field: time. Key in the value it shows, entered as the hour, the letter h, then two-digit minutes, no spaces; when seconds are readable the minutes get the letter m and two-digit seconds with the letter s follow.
12h00m36s
